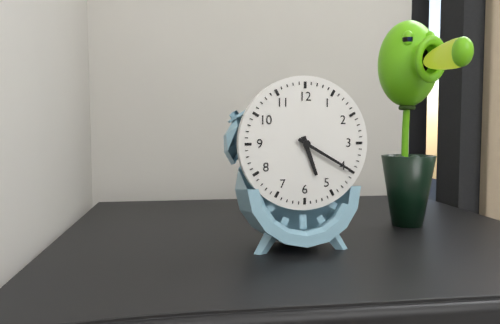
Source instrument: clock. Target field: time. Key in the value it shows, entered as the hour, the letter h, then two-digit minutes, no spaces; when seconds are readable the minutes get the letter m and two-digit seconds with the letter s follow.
5h20
